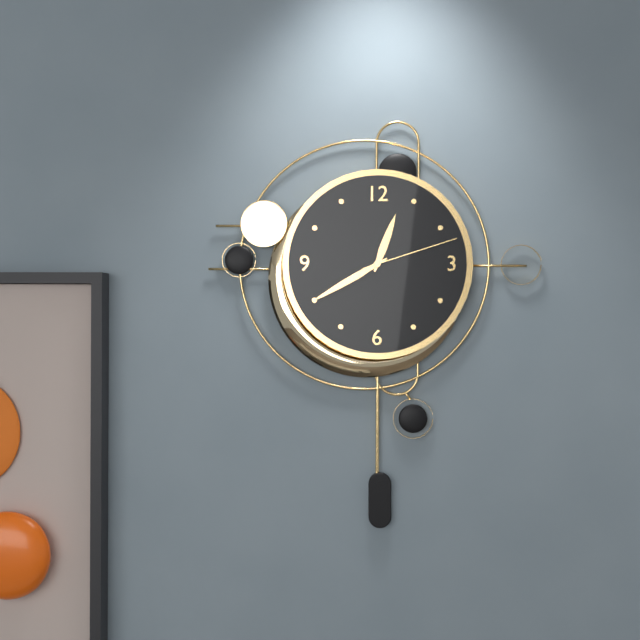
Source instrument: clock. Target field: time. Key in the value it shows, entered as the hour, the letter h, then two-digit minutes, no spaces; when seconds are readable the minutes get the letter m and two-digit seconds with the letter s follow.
12h40m12s
